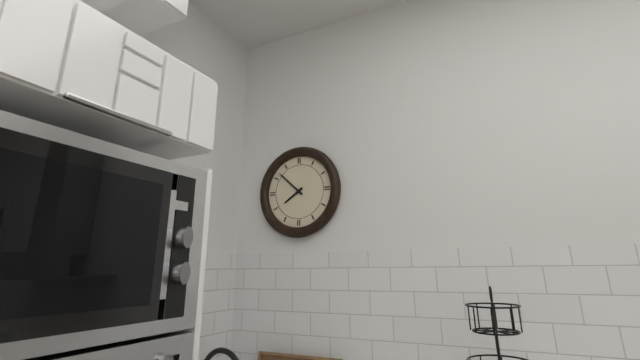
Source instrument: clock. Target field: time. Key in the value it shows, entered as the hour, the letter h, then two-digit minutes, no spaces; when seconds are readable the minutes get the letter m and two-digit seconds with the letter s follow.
7h52
